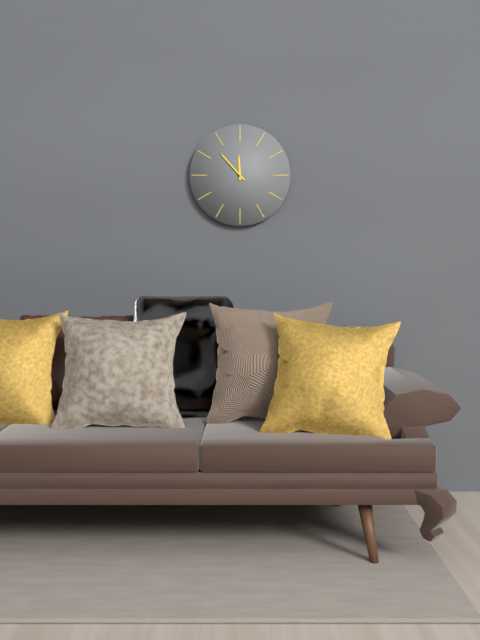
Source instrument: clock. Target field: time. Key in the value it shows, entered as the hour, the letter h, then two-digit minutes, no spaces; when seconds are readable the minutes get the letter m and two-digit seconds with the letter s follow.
11h53
